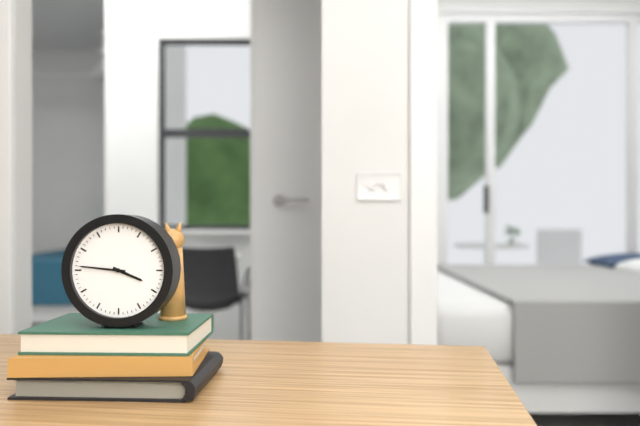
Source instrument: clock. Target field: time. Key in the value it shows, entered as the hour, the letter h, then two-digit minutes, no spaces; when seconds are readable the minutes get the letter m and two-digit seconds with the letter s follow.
3h46
